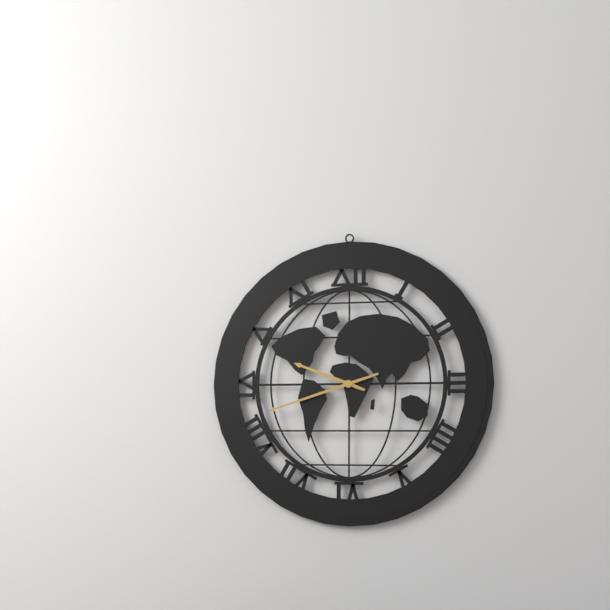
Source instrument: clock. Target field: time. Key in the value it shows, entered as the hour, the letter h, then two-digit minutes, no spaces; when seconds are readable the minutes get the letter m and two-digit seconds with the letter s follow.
9h42
